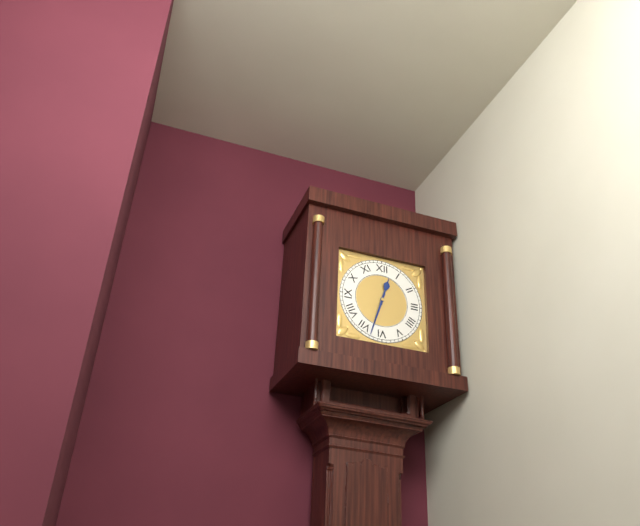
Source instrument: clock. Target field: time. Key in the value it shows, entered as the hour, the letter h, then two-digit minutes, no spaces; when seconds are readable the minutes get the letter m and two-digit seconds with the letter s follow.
12h33
